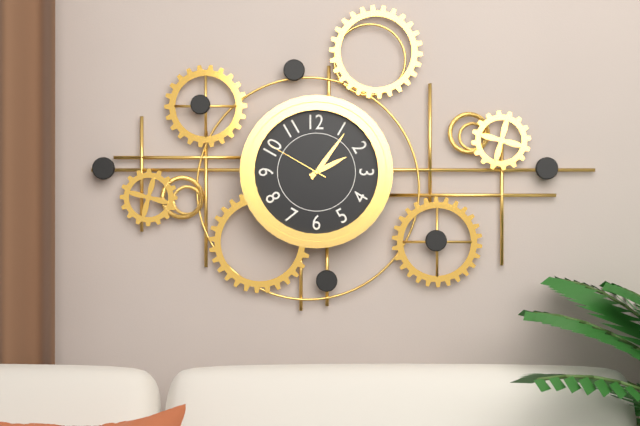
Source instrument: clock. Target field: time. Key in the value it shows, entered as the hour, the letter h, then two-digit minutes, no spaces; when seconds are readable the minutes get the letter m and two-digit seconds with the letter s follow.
2h06m50s
